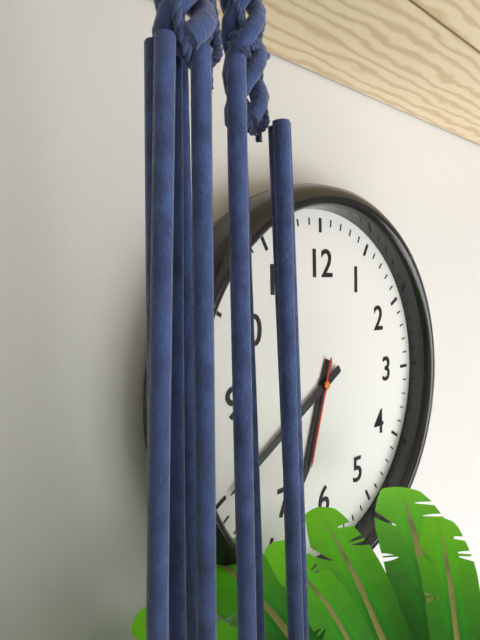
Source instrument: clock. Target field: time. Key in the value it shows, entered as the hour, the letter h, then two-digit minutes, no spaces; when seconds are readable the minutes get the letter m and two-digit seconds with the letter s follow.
6h40m33s
